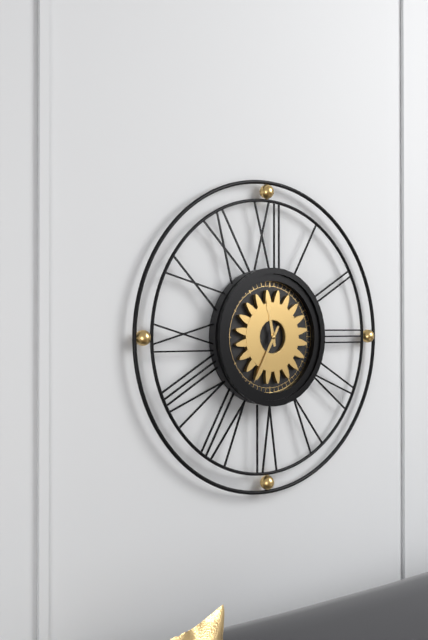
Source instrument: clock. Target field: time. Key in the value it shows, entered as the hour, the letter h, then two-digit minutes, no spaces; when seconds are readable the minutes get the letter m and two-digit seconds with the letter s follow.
11h35
